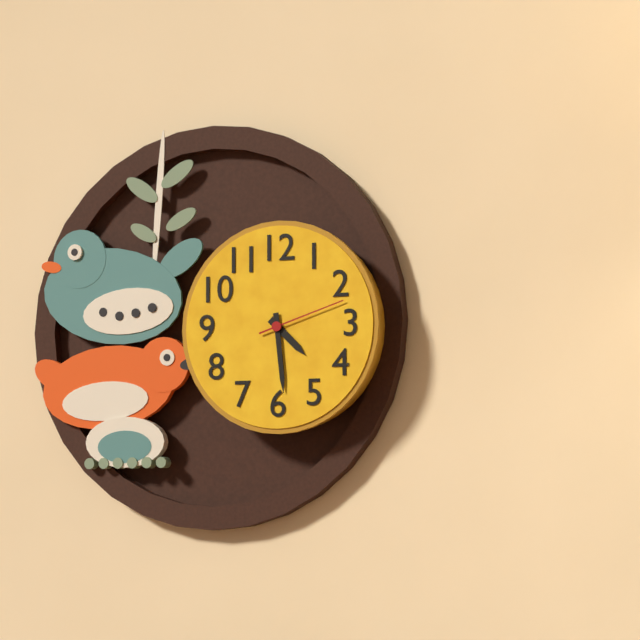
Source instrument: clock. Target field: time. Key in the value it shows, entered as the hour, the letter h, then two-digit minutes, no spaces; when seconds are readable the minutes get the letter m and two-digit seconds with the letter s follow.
4h29m12s
